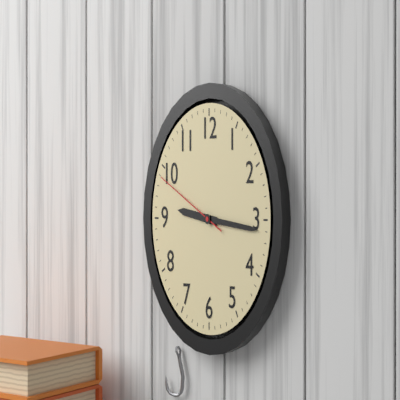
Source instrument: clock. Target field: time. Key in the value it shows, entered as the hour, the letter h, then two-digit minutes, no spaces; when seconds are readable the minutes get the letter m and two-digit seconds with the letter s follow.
9h16m49s
